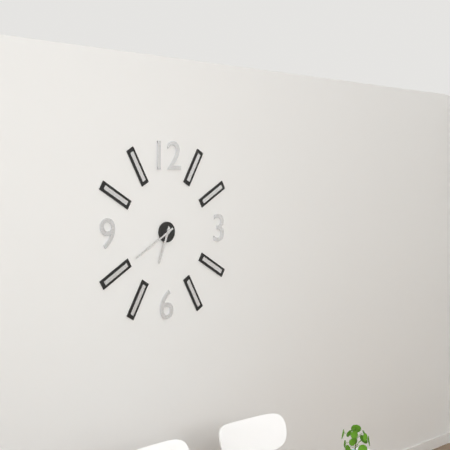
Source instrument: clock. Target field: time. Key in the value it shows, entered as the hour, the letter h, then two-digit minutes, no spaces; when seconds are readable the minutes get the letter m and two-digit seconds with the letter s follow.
6h40
